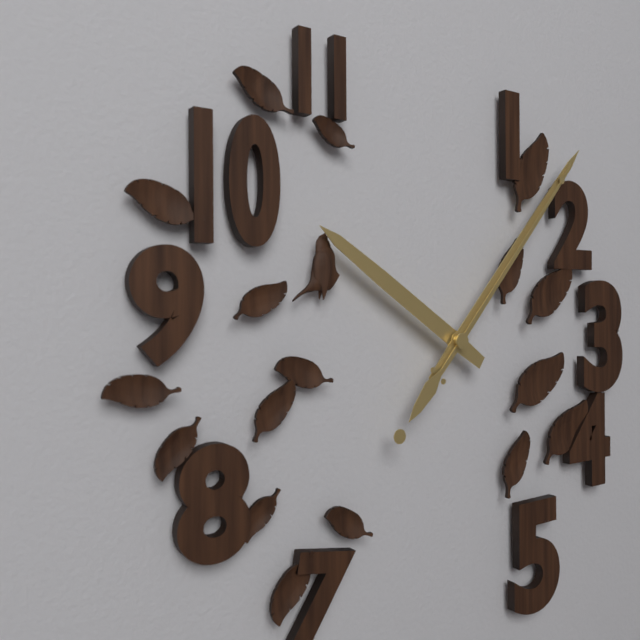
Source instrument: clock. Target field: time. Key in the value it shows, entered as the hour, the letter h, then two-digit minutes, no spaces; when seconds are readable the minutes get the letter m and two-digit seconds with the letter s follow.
10h07m07s
